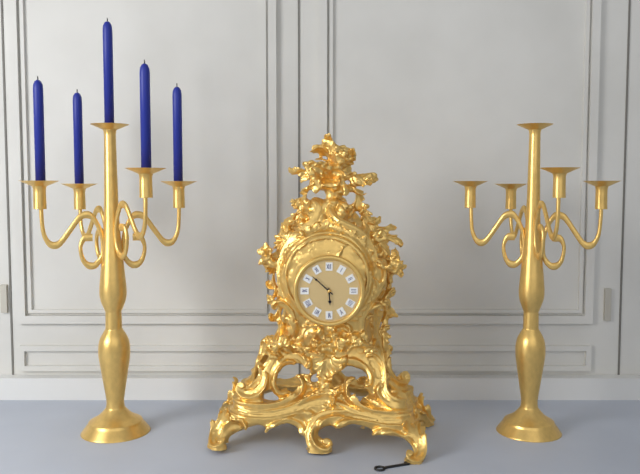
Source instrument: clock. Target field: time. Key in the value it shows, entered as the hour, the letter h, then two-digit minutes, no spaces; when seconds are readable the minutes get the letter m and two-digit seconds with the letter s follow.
5h52
